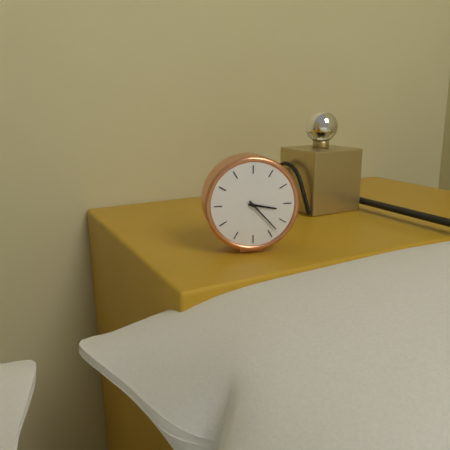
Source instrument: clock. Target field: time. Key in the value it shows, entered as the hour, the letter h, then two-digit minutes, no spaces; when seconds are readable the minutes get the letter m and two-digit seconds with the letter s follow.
3h23
